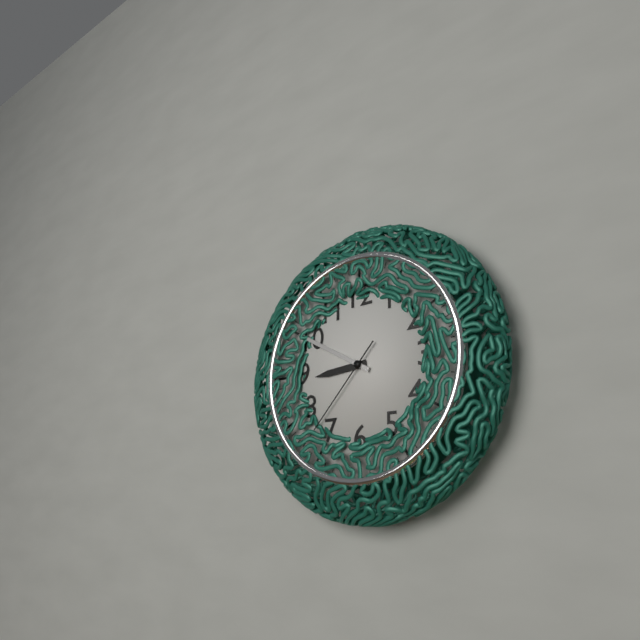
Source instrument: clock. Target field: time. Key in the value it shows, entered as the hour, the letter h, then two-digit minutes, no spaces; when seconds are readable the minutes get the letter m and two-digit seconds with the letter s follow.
8h50m37s
